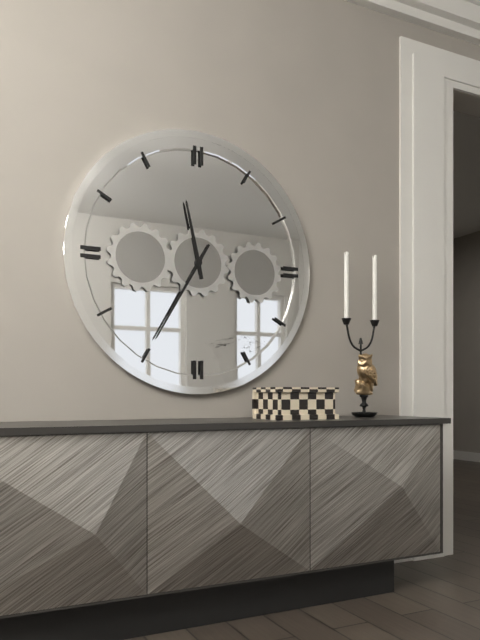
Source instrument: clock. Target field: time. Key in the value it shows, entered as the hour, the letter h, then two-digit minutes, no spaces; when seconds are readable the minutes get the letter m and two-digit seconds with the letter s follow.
11h35
